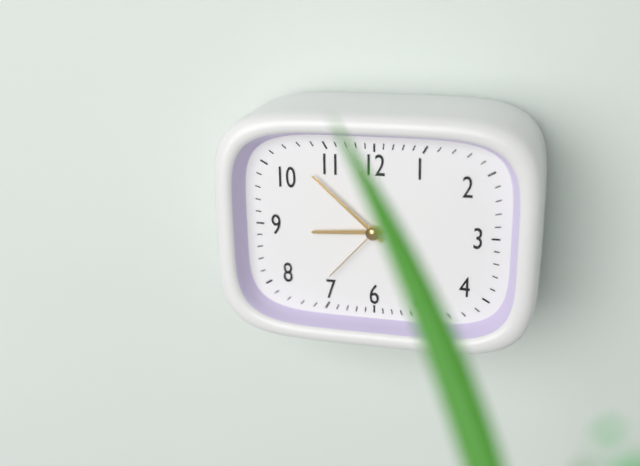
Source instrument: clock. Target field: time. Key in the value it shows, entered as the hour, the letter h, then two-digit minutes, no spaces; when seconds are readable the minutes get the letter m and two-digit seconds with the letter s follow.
8h52m37s
